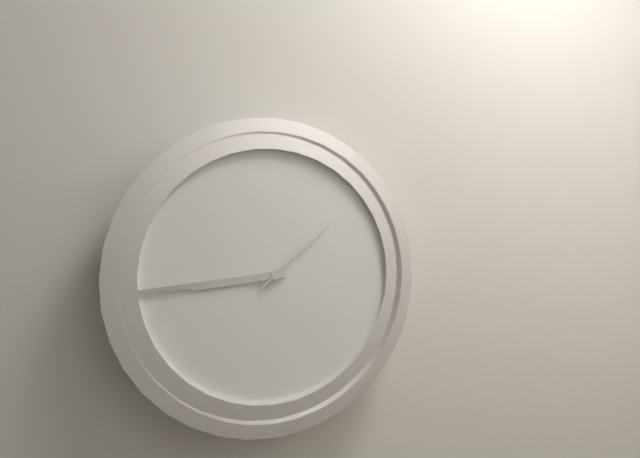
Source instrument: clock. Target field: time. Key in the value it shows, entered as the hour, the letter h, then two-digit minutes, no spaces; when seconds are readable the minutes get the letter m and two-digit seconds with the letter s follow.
8h44m08s
